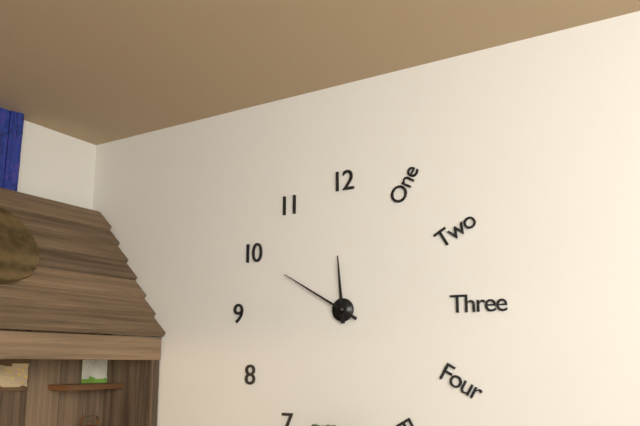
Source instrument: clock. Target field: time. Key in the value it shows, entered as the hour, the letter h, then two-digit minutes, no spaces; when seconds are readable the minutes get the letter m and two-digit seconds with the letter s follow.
11h50
